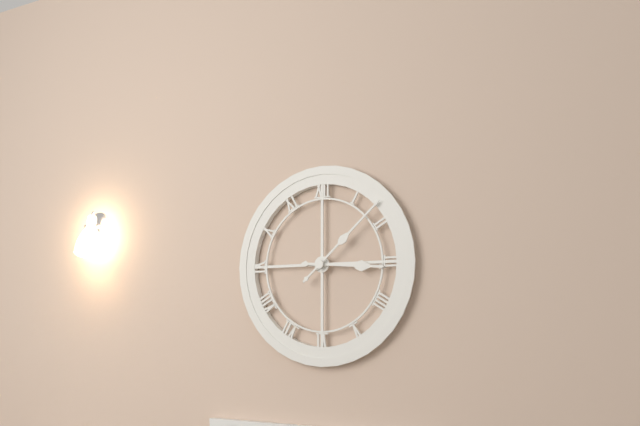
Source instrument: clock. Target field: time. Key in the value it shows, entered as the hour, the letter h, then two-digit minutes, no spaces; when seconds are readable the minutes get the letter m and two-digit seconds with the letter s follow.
3h08
